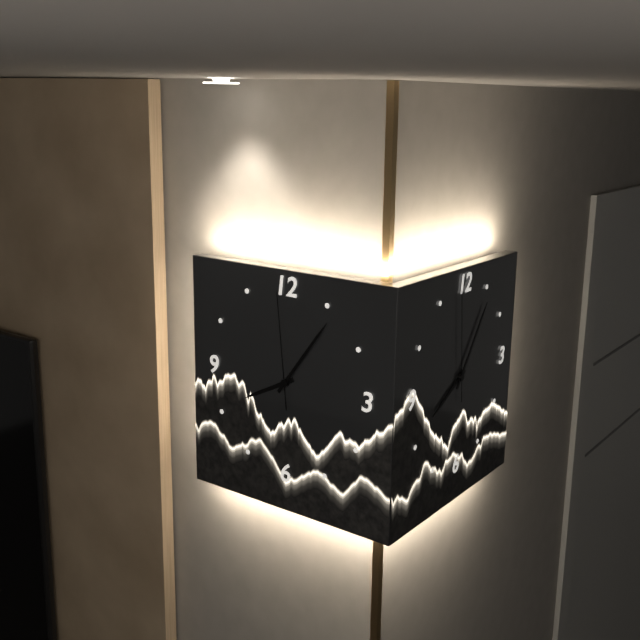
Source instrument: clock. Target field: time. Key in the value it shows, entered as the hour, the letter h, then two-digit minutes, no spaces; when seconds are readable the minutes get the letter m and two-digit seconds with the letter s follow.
8h06m59s
